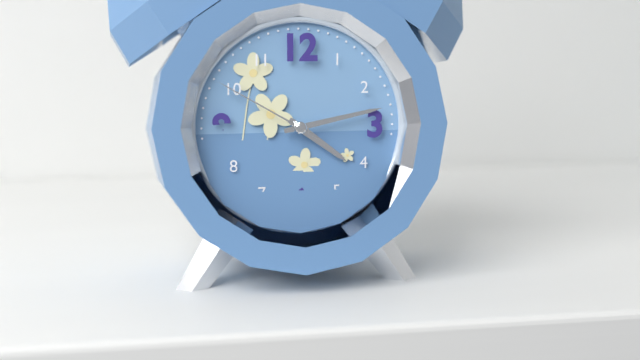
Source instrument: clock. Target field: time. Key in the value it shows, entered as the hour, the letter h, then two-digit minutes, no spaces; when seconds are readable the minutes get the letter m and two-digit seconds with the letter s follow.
4h13m50s
